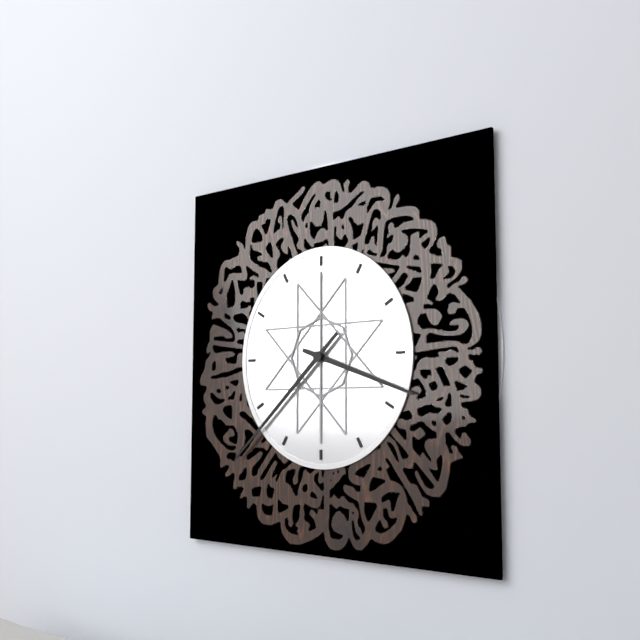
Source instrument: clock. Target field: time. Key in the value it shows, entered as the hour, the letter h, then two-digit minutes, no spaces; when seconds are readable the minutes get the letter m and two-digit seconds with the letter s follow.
3h38
